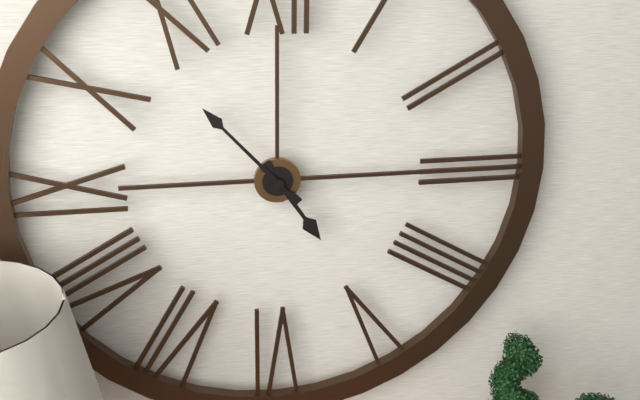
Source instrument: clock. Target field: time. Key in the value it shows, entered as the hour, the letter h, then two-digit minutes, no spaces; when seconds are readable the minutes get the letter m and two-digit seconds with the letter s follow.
4h53
